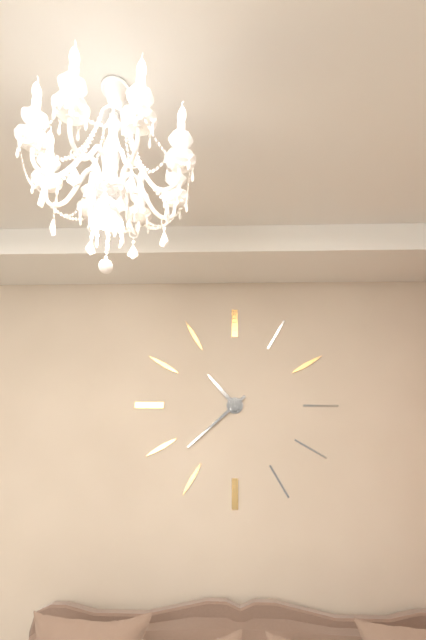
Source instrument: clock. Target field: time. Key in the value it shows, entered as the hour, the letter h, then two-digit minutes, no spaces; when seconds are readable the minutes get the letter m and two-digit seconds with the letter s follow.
10h38
